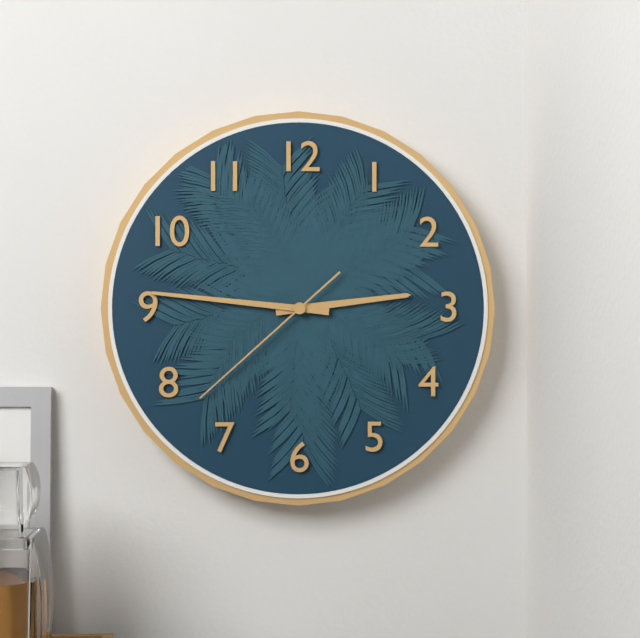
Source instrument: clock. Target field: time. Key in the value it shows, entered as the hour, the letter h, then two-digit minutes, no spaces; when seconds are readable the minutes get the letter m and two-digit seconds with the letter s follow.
2h46m38s
